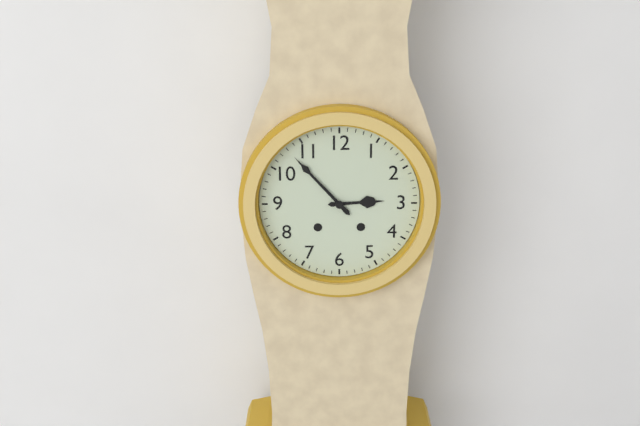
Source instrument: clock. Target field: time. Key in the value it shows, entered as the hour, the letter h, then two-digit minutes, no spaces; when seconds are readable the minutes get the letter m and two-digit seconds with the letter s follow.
2h53
